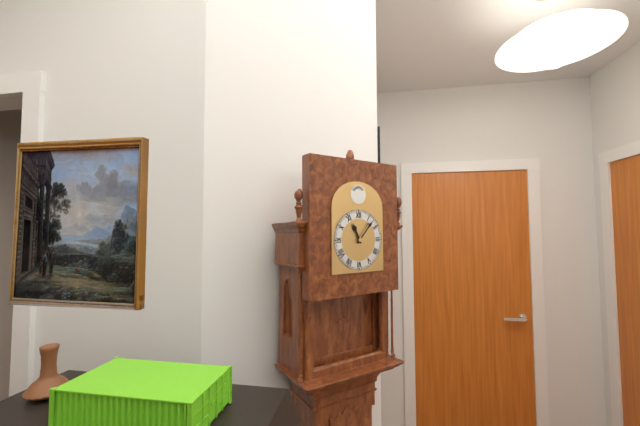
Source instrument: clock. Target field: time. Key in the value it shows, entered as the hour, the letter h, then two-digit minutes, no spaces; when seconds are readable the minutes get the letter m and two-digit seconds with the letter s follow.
11h07
